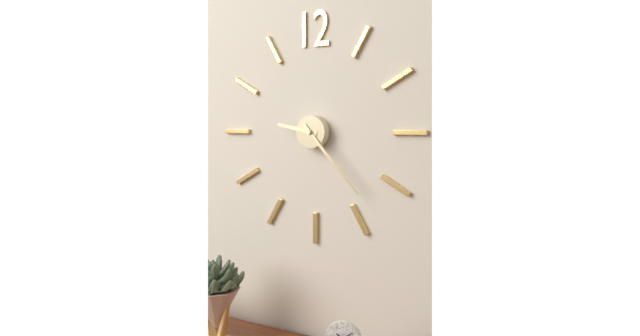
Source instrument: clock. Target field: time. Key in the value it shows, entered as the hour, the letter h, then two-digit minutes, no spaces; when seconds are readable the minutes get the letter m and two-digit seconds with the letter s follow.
9h23
